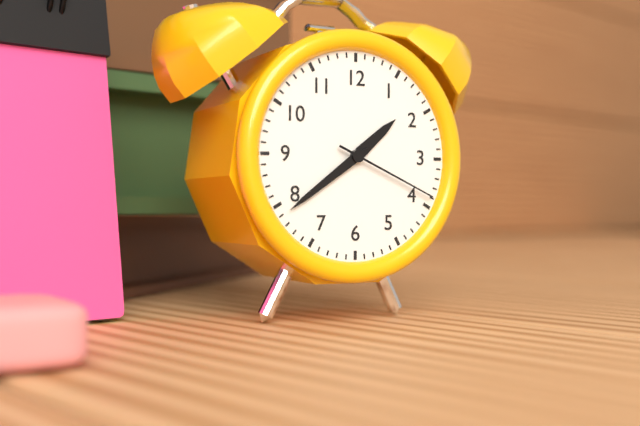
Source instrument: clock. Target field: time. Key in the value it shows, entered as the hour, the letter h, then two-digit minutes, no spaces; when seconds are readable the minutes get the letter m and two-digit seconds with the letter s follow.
1h39m19s
